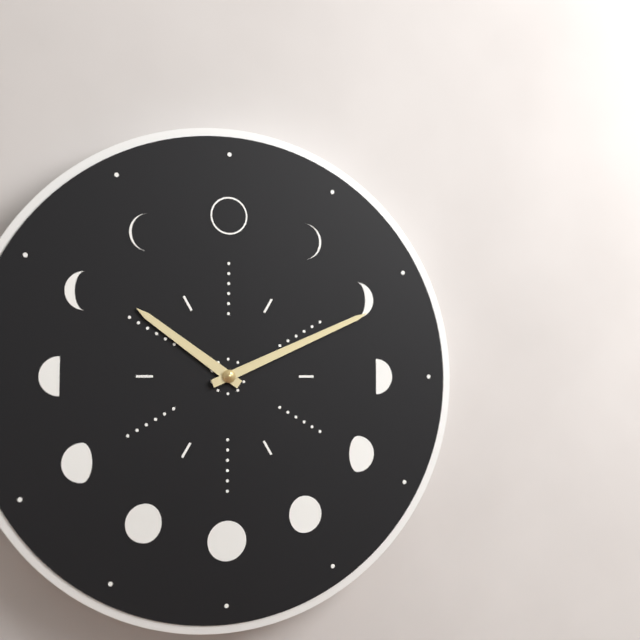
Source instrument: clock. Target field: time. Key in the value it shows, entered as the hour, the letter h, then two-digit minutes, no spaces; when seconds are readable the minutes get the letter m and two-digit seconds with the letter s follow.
10h11
